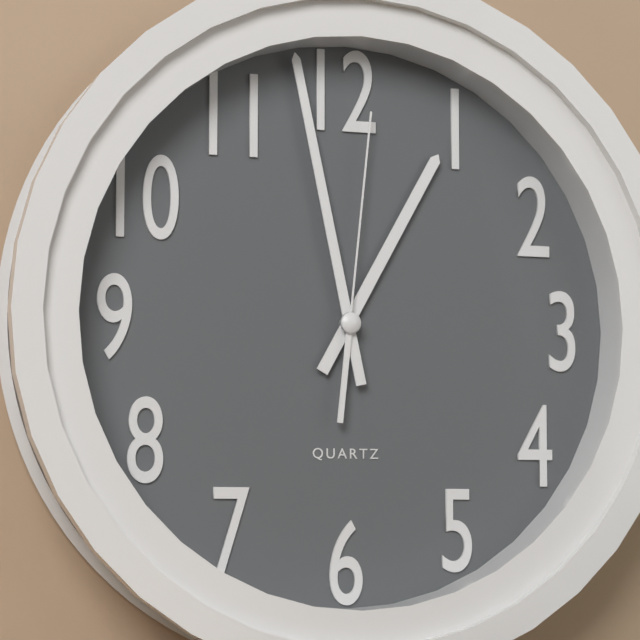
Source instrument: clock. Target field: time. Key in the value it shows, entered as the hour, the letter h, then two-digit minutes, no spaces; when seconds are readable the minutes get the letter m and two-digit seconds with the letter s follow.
12h58m01s
